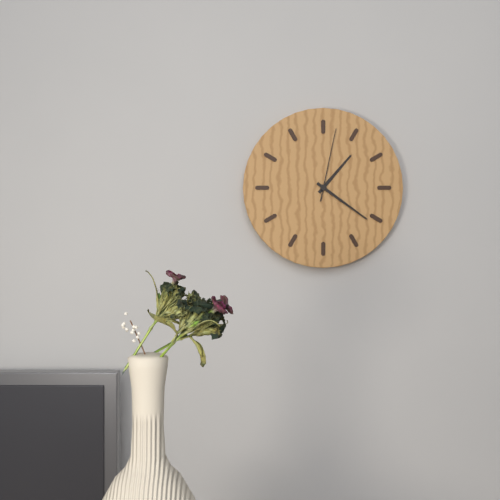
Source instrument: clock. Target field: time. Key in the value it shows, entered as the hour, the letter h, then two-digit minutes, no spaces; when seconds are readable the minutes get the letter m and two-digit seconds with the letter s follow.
1h21m02s
